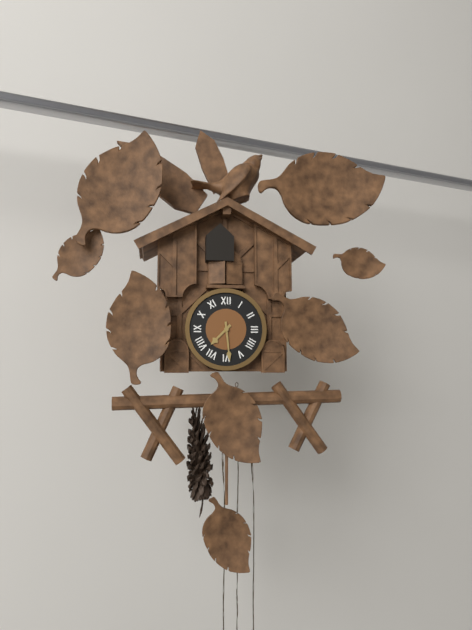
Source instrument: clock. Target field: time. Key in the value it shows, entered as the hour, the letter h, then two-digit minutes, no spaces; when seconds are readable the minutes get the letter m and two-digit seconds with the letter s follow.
7h29
